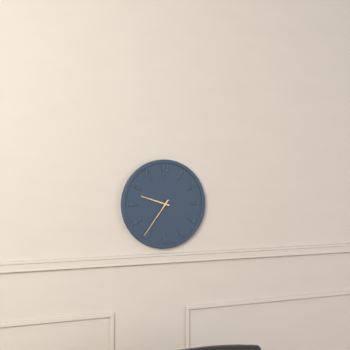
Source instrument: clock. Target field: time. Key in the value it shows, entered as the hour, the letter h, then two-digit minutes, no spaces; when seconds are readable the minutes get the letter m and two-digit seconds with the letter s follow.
9h36
